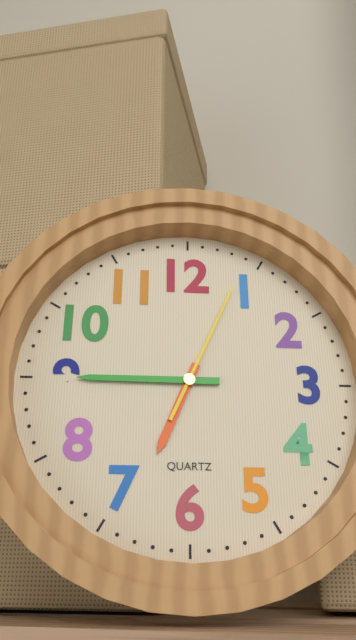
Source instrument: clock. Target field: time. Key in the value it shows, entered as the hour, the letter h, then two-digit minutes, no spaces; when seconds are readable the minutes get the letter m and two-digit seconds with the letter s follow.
6h45m04s
